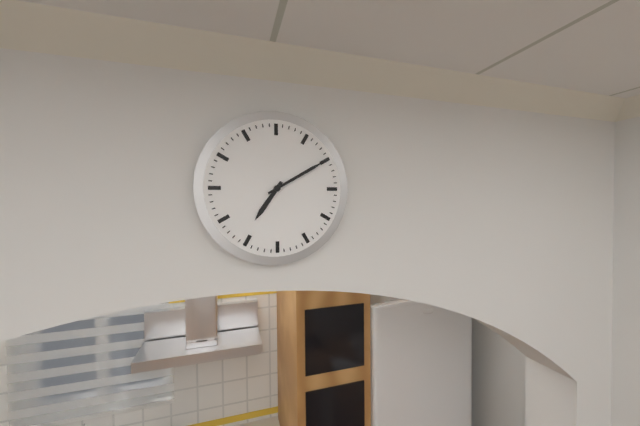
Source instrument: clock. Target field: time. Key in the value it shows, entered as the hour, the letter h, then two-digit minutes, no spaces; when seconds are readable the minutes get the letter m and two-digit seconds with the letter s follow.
7h10
